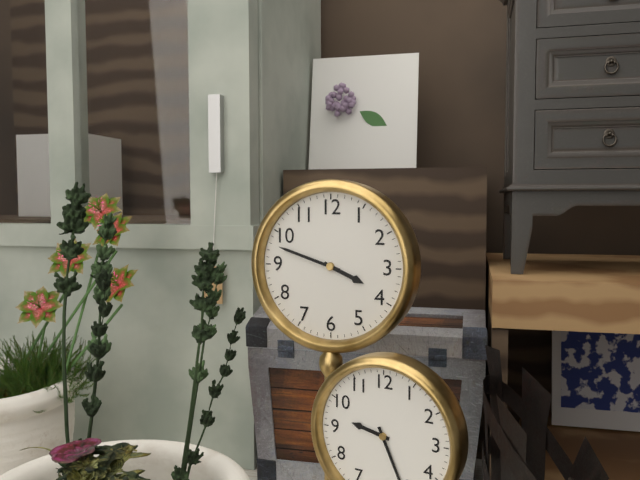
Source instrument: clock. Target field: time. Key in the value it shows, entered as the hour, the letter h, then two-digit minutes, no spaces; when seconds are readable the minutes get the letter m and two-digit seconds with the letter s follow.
3h48
